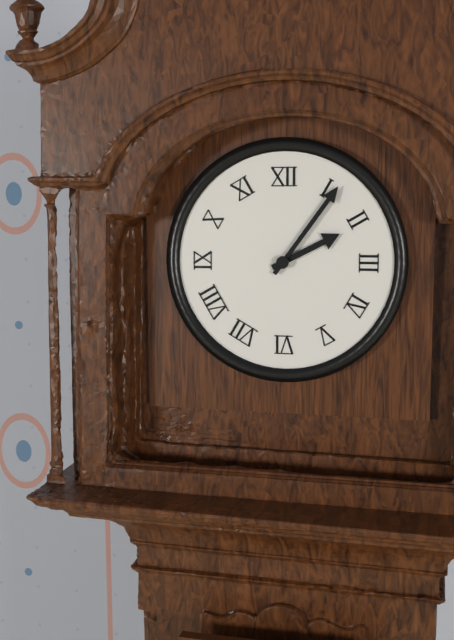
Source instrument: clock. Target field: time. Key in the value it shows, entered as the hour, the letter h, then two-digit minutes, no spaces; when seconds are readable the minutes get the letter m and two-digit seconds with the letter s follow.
2h06
